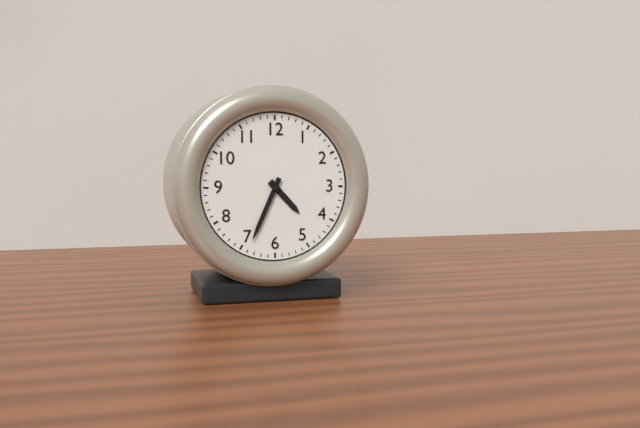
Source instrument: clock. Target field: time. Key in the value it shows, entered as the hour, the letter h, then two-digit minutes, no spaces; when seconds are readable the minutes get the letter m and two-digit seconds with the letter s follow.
4h34
